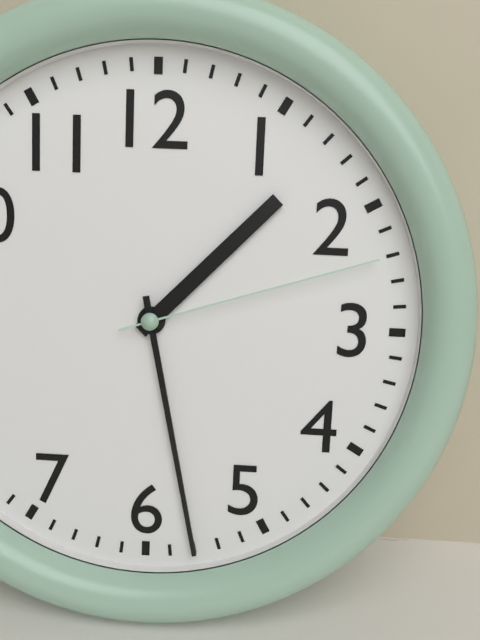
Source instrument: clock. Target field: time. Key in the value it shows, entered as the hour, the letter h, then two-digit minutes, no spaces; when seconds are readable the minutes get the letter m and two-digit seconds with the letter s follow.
1h28m12s
